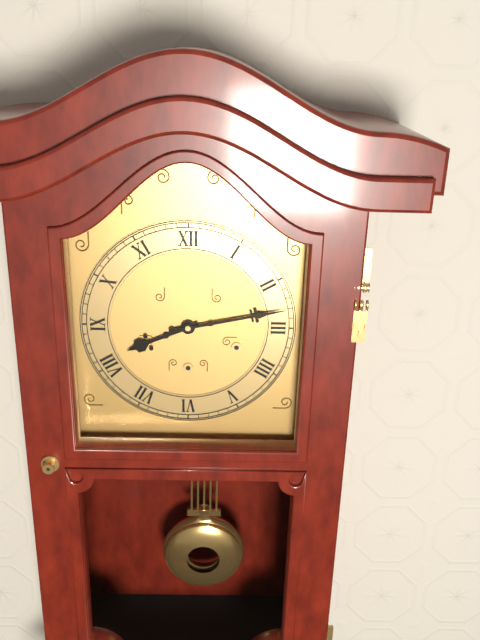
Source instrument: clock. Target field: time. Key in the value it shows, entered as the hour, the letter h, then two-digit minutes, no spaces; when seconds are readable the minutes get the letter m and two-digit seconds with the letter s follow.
8h13
